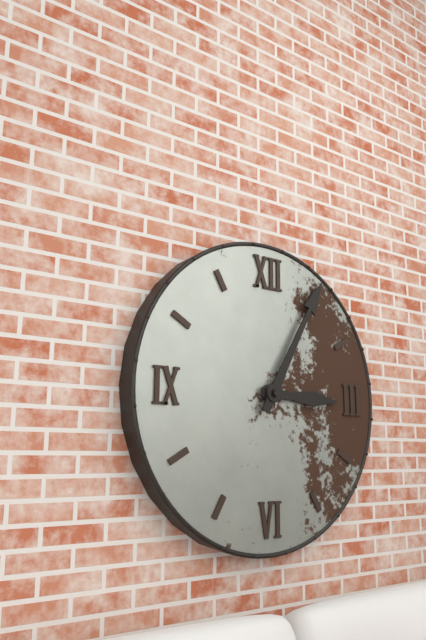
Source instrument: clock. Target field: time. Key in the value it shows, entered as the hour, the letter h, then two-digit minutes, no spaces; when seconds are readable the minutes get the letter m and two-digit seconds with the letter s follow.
3h05
